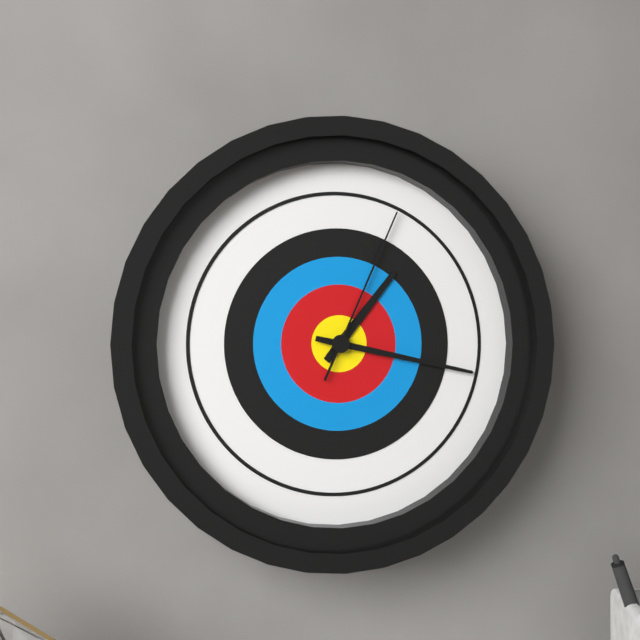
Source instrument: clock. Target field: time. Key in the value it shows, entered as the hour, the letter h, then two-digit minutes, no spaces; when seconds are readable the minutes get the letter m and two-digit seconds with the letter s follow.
1h17m04s
